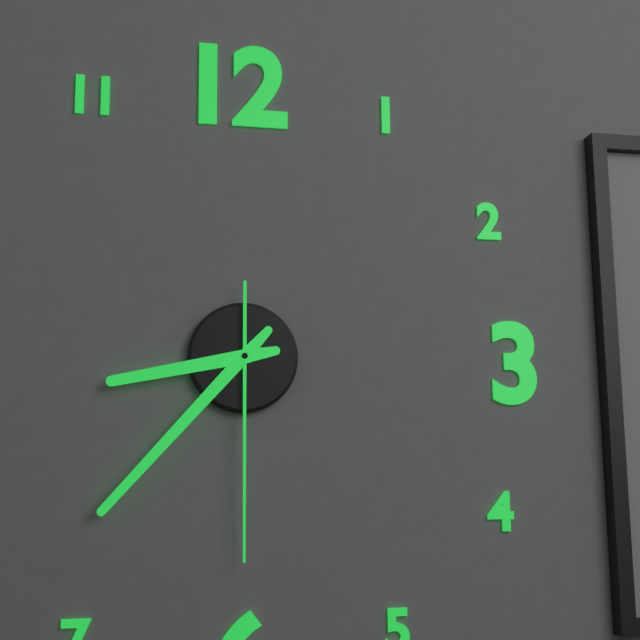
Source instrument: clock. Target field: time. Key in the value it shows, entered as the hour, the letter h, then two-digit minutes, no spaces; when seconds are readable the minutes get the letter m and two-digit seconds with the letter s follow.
8h37m30s
